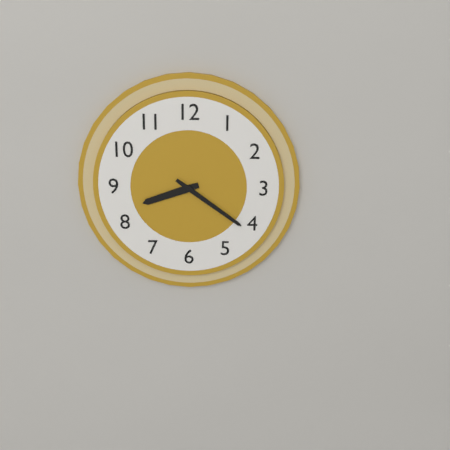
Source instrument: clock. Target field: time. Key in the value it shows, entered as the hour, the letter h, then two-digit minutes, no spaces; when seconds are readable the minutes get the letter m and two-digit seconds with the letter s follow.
8h21
